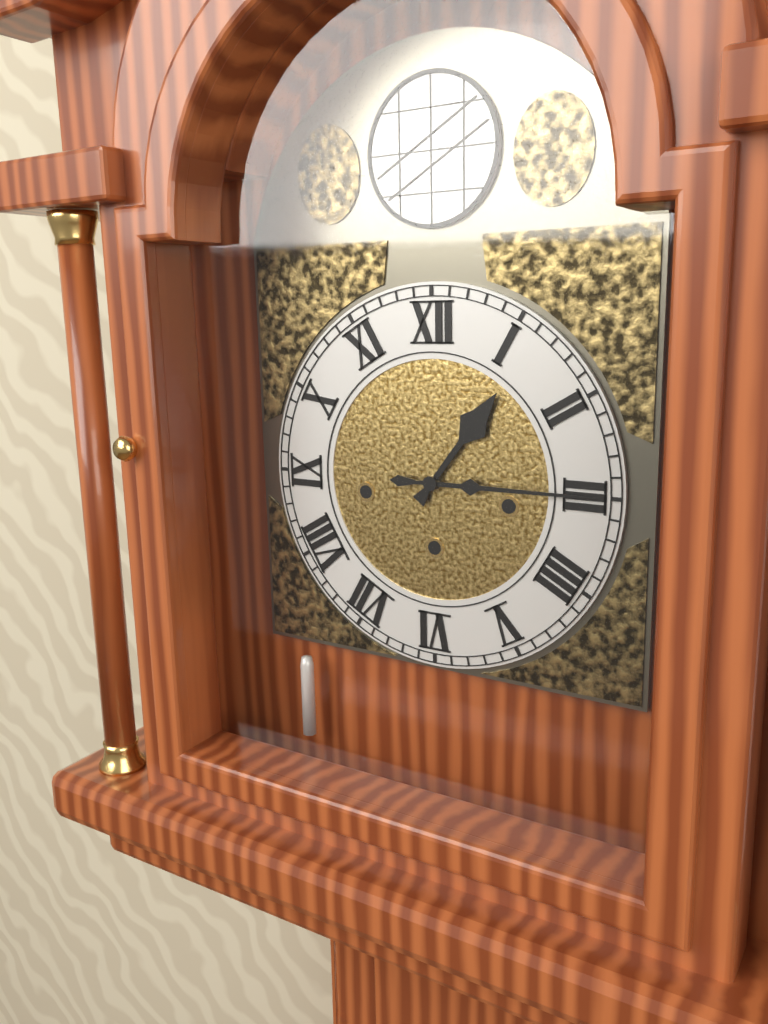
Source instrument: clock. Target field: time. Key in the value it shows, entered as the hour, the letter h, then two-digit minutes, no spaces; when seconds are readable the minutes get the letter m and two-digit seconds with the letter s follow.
1h15
